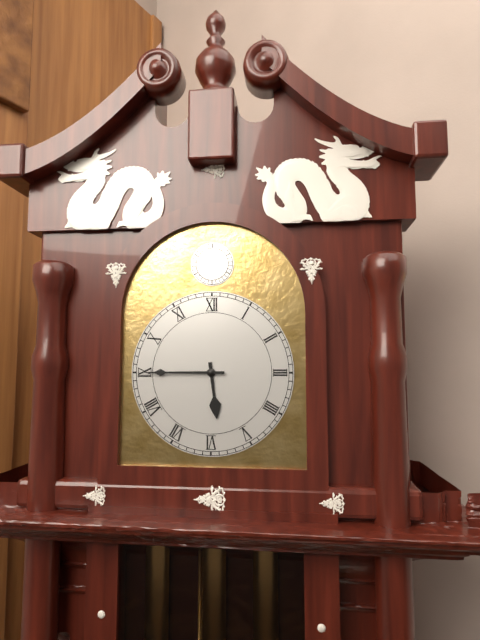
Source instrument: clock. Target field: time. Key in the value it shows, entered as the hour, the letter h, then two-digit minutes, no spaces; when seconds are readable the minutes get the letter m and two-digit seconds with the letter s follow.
5h45
